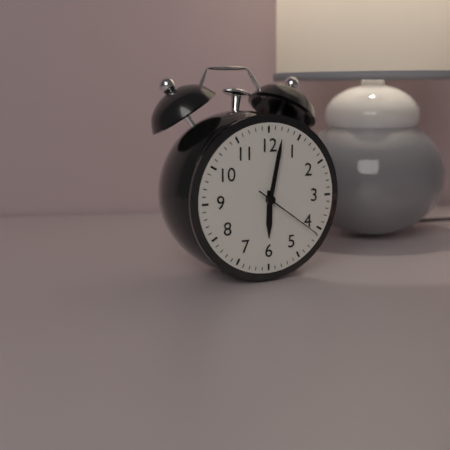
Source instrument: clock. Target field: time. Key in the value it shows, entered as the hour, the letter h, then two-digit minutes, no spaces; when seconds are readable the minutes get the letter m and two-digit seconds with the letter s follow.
6h02m21s
